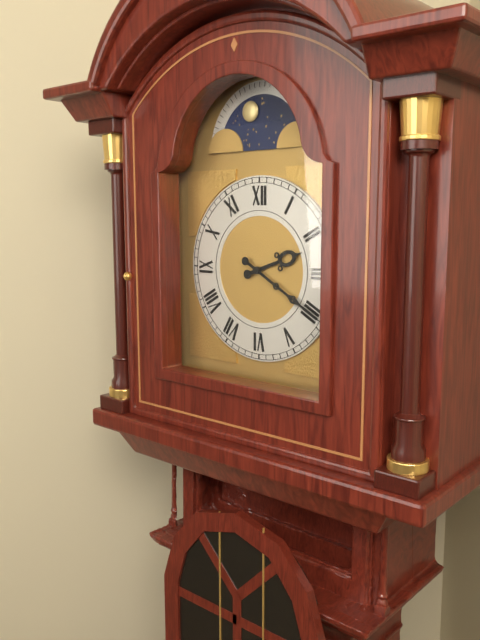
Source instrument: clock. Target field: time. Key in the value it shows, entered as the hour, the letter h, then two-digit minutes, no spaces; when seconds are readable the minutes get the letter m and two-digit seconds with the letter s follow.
2h20
